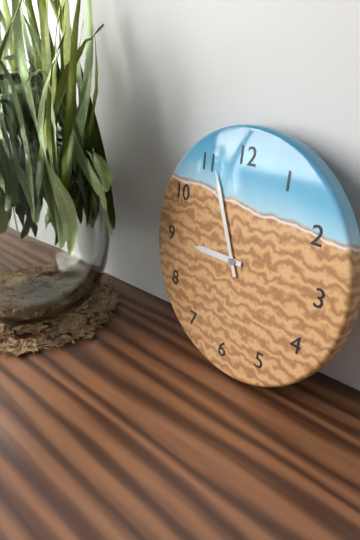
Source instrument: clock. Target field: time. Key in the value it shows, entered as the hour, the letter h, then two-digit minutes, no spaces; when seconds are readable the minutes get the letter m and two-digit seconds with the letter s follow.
8h56
